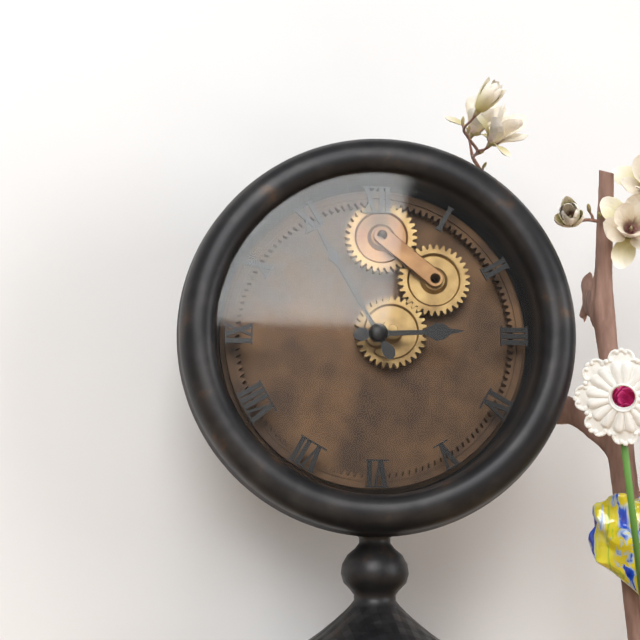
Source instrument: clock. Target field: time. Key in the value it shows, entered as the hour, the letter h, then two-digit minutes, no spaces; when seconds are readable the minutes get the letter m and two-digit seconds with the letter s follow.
2h55
